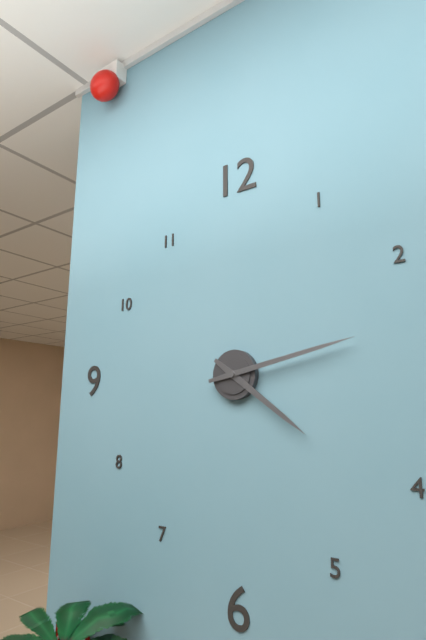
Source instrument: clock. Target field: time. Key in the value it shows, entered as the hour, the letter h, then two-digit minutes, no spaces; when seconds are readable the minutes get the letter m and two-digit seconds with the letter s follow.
4h13
